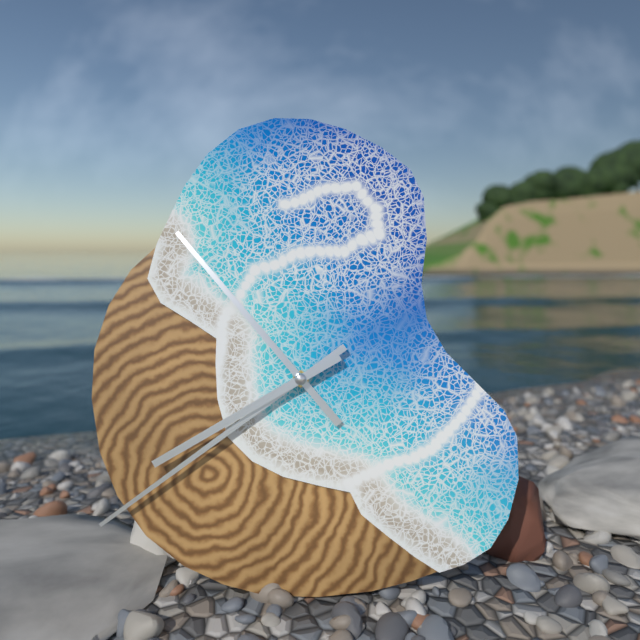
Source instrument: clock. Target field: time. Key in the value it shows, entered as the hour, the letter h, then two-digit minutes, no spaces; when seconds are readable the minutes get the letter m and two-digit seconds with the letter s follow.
10h39m40s
